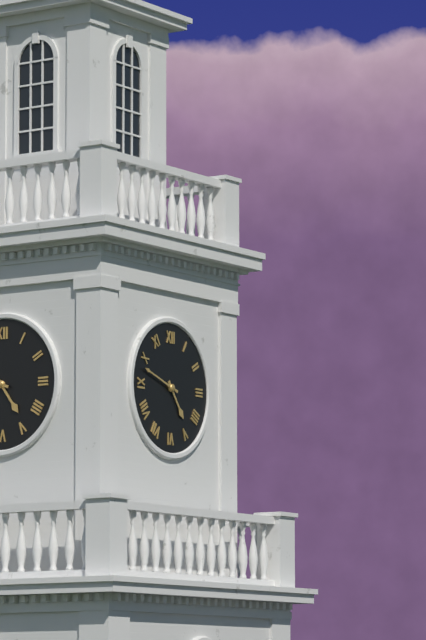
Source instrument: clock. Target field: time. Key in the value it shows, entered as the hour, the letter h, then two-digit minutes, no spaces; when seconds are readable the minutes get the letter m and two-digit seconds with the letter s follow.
4h48
